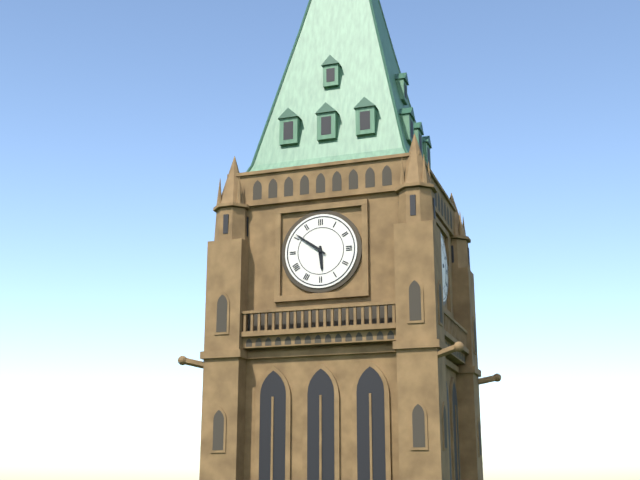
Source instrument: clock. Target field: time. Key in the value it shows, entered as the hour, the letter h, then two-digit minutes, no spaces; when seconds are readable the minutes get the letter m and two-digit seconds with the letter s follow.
5h51
